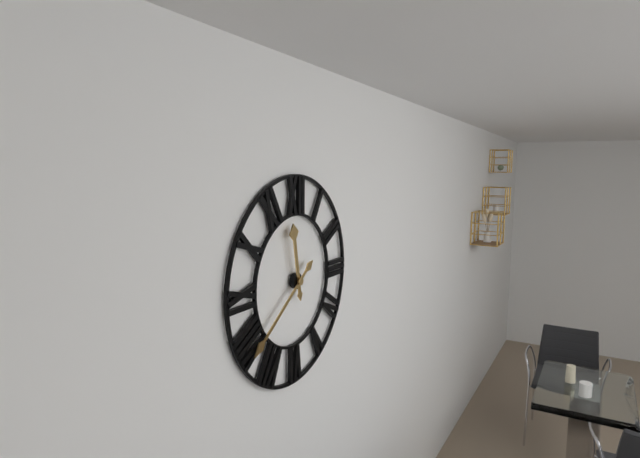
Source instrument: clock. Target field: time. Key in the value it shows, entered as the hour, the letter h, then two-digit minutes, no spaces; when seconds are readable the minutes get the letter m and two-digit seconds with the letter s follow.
11h39
